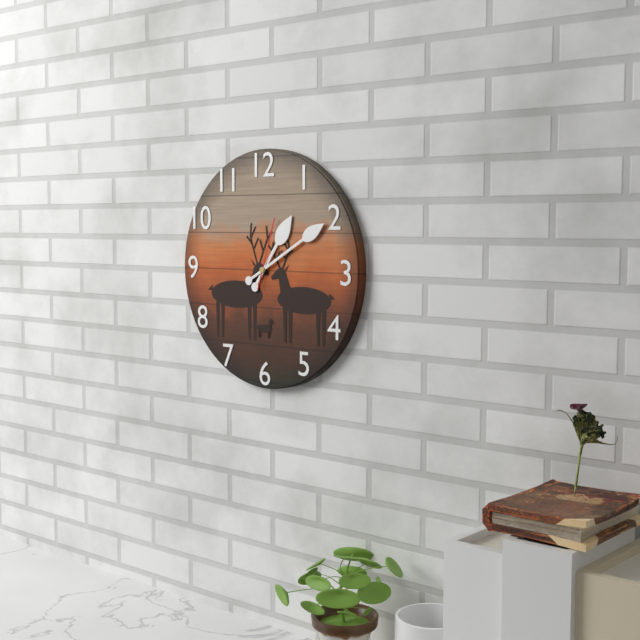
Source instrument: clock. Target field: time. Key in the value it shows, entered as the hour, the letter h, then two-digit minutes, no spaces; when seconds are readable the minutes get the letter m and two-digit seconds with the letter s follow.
1h10m03s
